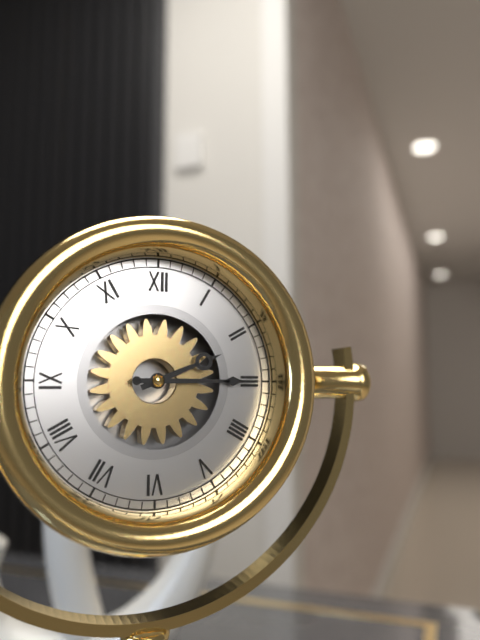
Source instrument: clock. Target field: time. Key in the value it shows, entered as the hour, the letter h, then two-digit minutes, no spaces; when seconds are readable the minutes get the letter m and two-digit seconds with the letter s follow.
2h15
